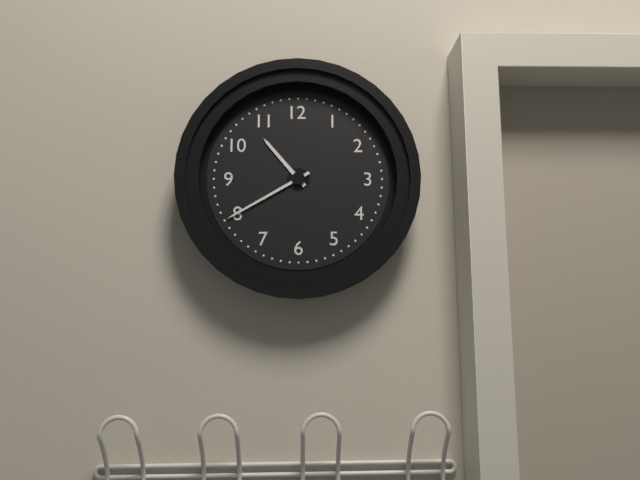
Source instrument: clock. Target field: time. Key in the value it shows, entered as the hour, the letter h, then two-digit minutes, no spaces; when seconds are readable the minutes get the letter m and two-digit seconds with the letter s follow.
10h40
